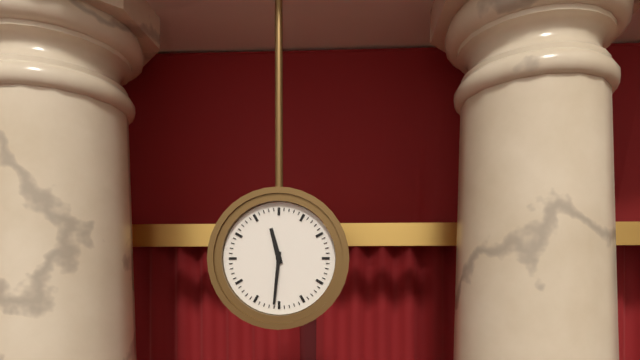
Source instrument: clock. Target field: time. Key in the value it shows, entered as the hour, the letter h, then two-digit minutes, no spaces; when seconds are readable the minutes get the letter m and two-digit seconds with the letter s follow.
11h31
